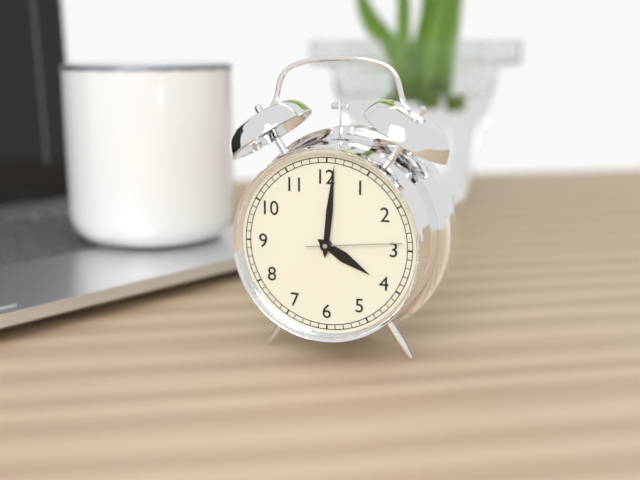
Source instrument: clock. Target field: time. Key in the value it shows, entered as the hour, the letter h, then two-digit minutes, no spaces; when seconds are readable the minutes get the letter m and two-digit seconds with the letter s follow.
4h01m14s
